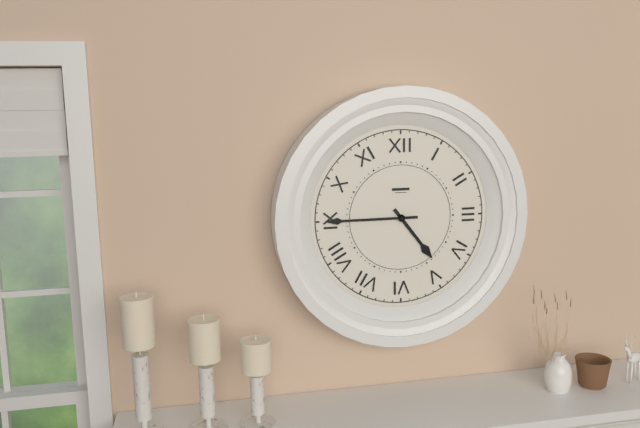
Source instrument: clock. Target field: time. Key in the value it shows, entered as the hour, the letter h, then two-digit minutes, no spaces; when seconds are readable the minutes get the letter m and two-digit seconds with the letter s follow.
4h45
